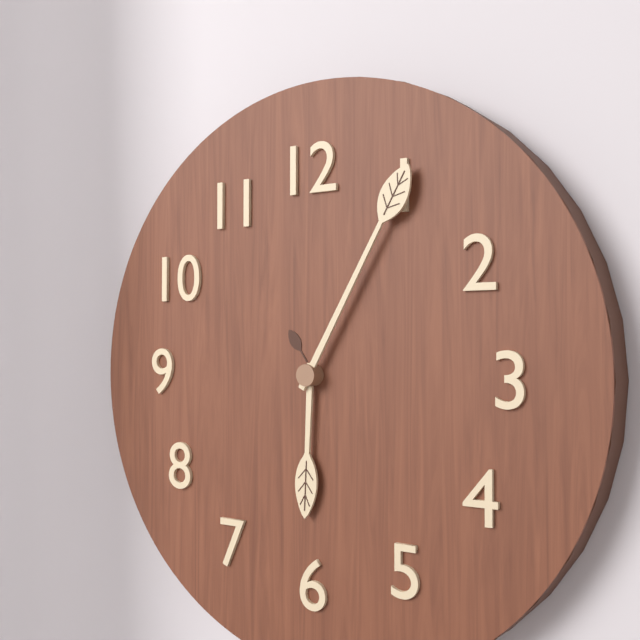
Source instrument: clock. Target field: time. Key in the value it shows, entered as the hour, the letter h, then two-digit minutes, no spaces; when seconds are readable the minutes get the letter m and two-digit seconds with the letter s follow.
6h05
